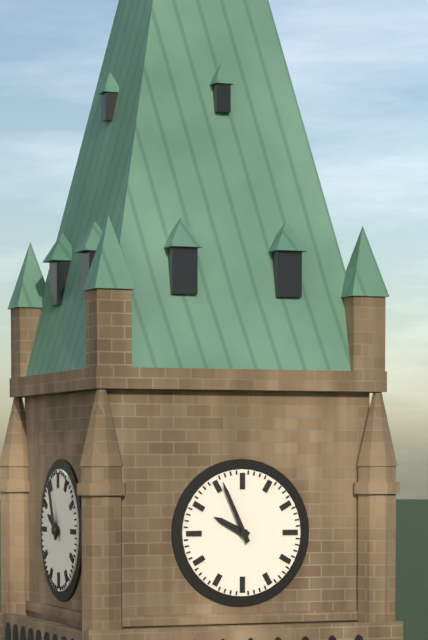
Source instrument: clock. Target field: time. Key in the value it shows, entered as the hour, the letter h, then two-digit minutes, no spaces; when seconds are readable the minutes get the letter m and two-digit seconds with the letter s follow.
9h56
